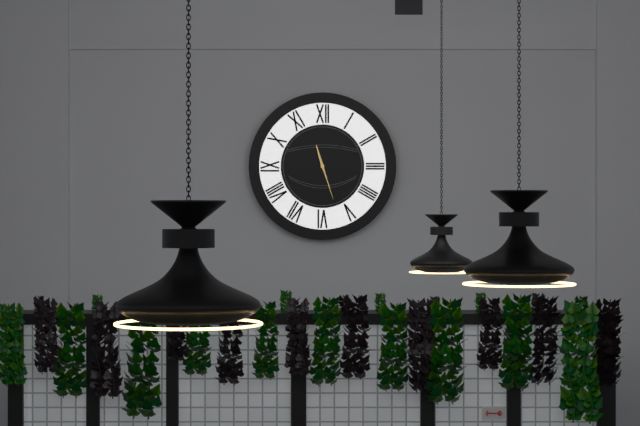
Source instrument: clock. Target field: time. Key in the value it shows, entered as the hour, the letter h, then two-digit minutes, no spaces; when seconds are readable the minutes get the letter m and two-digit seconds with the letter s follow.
11h27
